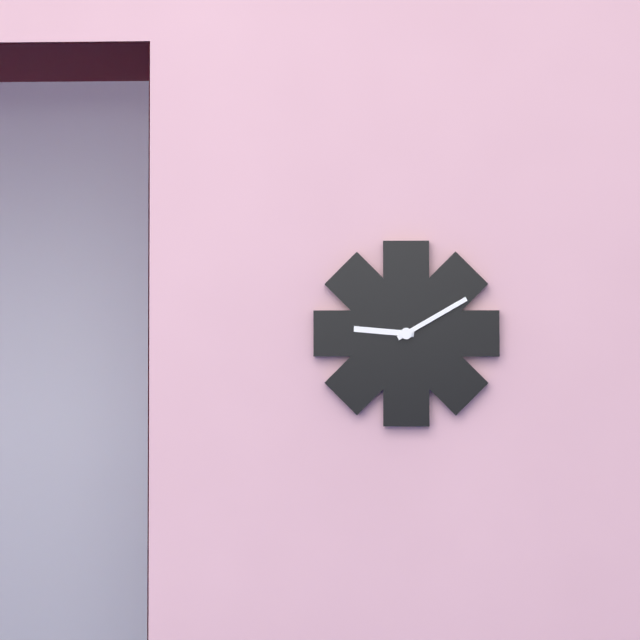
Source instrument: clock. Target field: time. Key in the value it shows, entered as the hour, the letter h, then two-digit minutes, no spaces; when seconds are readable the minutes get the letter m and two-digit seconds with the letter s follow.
9h10
